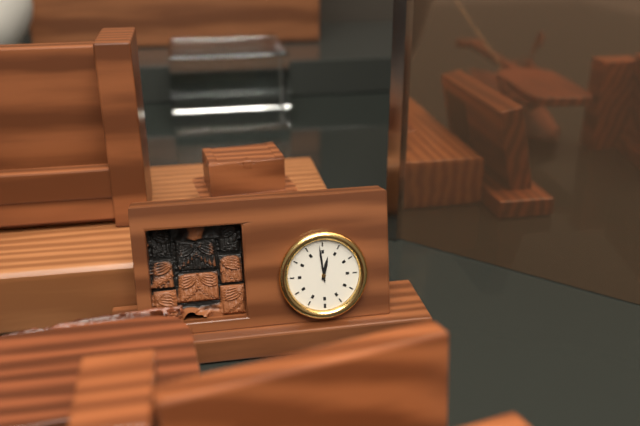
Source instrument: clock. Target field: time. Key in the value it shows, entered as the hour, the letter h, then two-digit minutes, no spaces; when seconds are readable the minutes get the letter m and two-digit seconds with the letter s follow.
6h29
